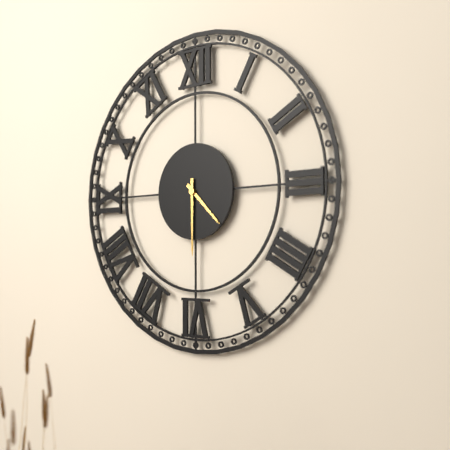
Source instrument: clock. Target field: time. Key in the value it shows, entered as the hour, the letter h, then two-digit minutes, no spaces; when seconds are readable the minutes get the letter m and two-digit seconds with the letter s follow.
4h30
